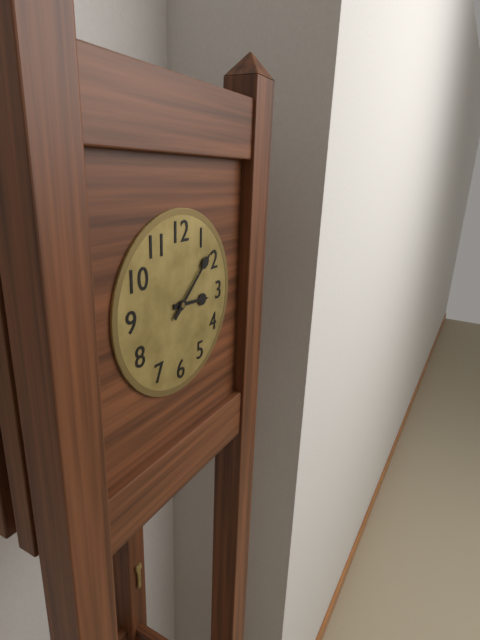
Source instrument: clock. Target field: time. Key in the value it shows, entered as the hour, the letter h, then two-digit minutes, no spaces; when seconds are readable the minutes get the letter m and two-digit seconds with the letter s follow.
3h08
